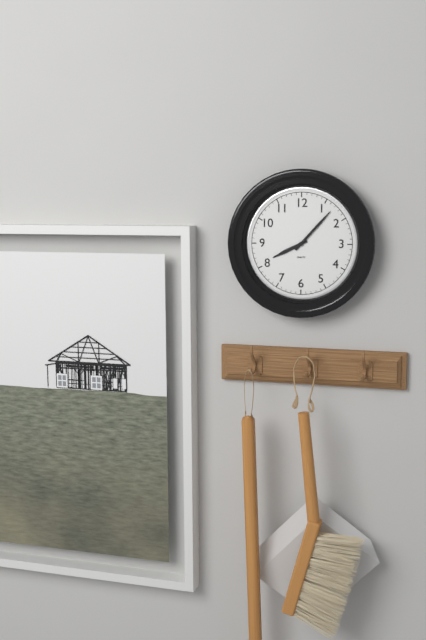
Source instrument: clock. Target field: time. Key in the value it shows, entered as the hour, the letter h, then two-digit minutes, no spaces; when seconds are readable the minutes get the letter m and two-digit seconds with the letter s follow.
8h07
